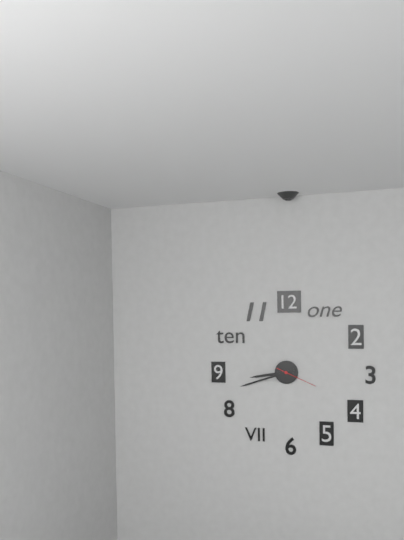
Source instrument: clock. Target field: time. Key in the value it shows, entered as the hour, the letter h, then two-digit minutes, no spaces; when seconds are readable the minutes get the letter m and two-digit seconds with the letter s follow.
8h42
